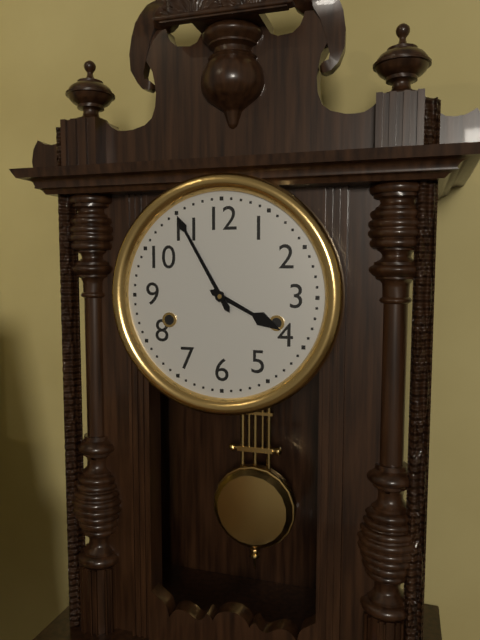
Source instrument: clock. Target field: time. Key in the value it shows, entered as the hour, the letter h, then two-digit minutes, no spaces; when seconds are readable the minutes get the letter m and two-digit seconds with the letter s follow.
3h55
